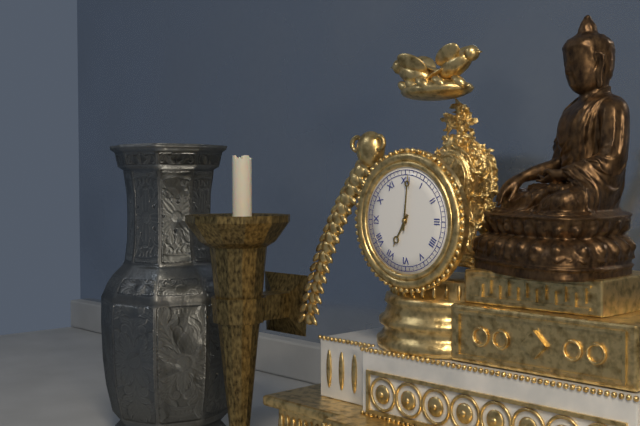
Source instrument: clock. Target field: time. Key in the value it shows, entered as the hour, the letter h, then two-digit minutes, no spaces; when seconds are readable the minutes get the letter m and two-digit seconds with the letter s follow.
7h01
